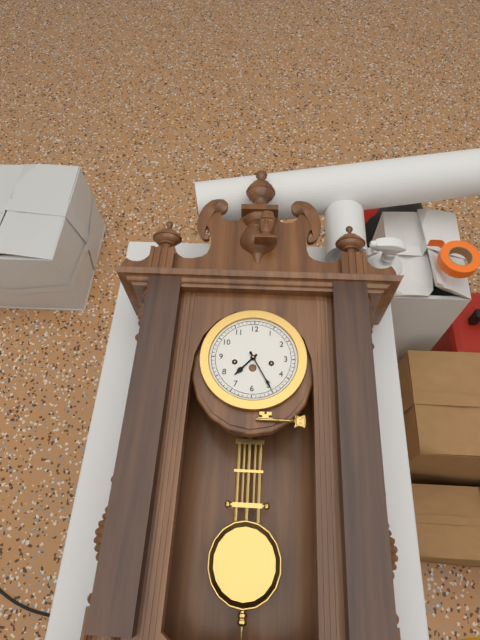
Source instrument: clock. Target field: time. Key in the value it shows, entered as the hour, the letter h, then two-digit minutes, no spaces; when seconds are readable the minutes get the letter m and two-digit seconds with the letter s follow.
7h25
